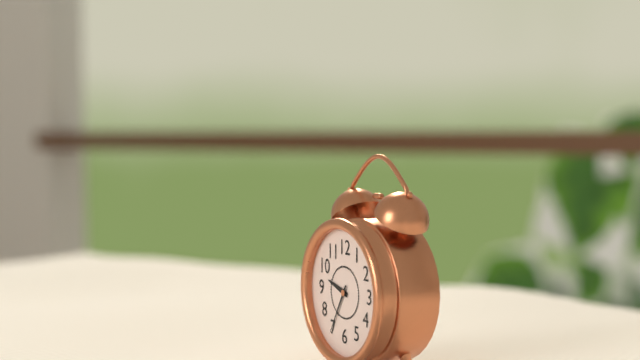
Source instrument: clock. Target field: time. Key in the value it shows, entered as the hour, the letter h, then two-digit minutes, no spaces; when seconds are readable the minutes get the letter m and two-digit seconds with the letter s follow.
9h35
